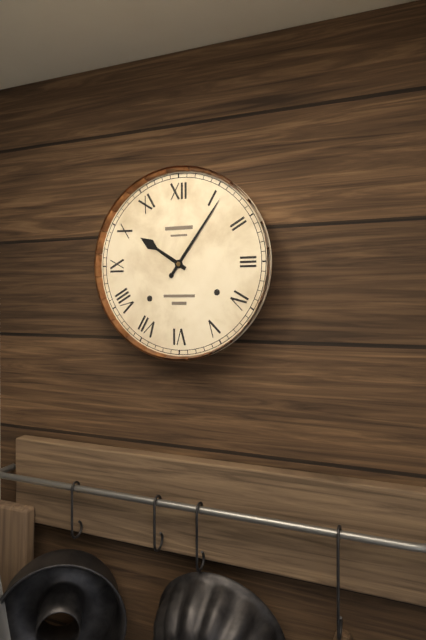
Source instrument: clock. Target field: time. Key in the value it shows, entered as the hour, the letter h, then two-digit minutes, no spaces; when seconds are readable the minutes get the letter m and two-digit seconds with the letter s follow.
10h06
